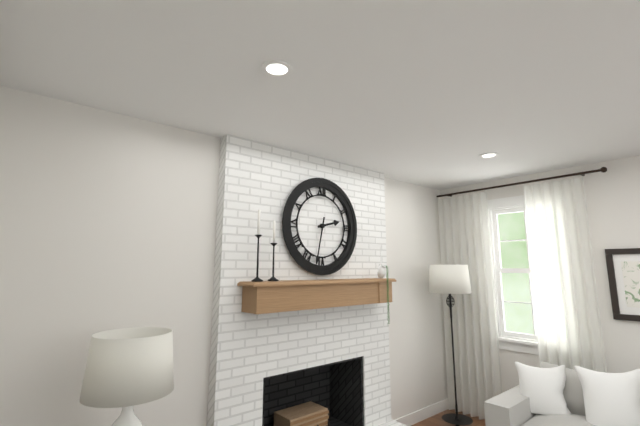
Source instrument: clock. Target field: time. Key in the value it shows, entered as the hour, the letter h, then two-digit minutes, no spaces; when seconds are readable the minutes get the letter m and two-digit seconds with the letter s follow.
2h32
